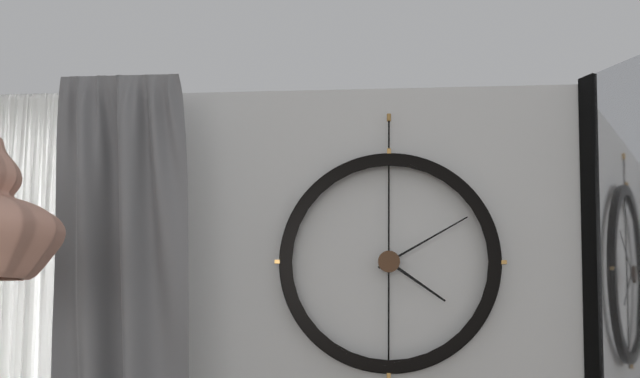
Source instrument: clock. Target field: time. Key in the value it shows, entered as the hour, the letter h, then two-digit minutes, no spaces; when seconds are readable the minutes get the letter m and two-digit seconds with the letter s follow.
4h10
